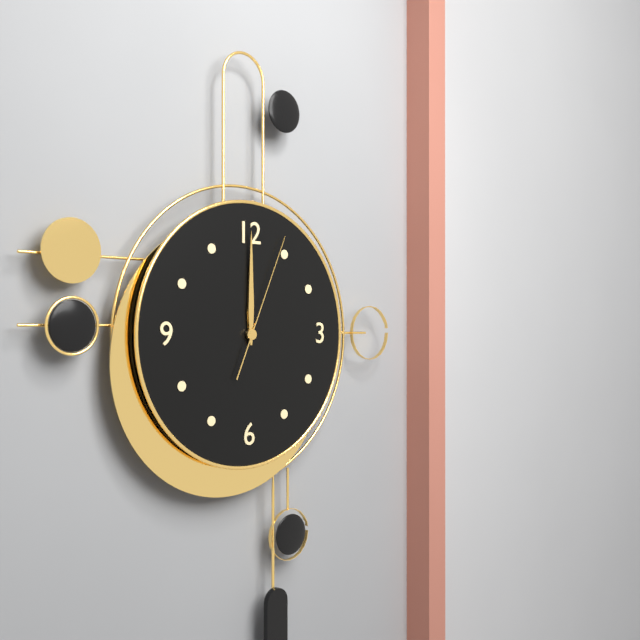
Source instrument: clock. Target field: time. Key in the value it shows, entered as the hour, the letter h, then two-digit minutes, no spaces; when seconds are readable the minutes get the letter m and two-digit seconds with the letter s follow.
12h00m04s
